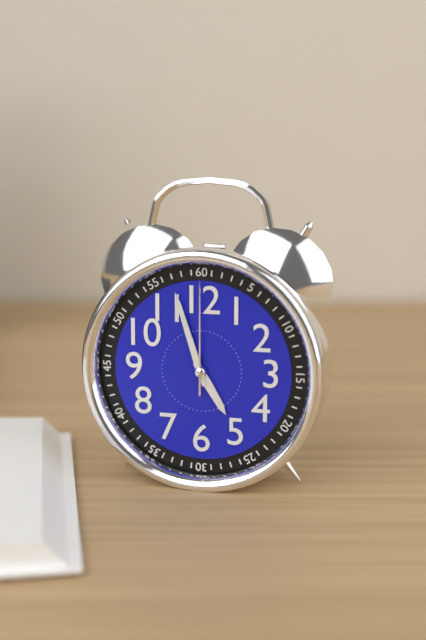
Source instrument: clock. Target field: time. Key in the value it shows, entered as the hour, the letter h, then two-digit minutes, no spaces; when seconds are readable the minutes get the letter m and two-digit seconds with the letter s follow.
4h57m00s
